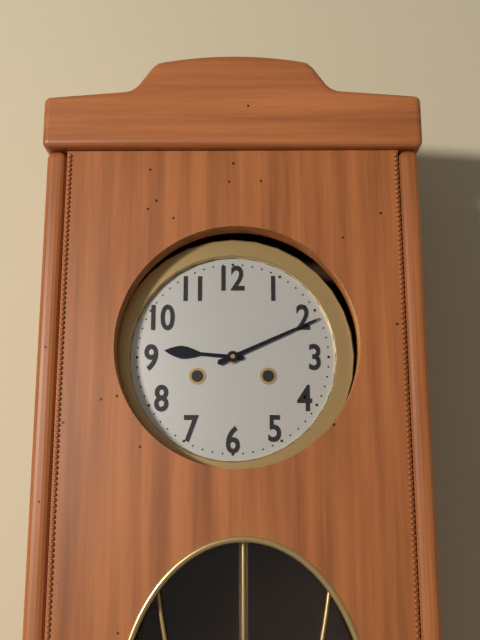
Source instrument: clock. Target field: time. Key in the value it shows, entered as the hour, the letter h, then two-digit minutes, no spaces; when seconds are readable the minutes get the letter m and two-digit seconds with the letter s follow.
9h11
